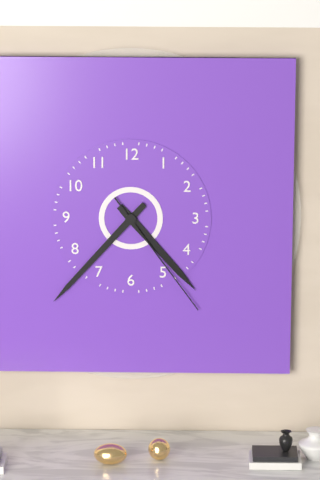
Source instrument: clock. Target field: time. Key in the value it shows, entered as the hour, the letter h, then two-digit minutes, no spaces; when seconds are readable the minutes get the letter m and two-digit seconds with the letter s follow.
4h37m24s
